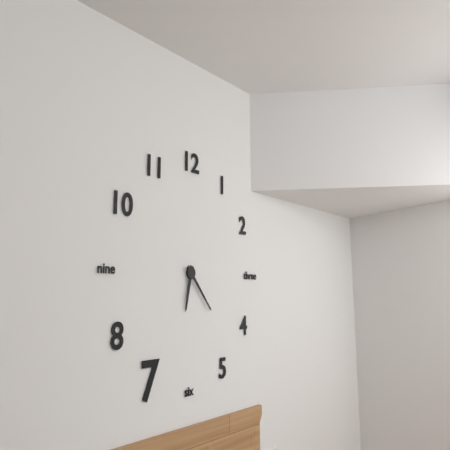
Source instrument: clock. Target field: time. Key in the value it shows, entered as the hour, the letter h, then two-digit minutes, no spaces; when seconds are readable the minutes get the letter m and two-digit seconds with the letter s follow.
6h23
